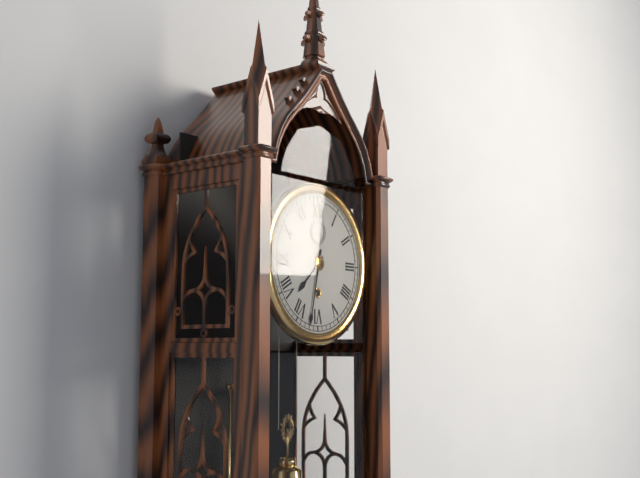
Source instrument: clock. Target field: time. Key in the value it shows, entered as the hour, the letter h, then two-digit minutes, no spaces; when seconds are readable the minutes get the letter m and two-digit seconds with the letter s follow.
7h32
